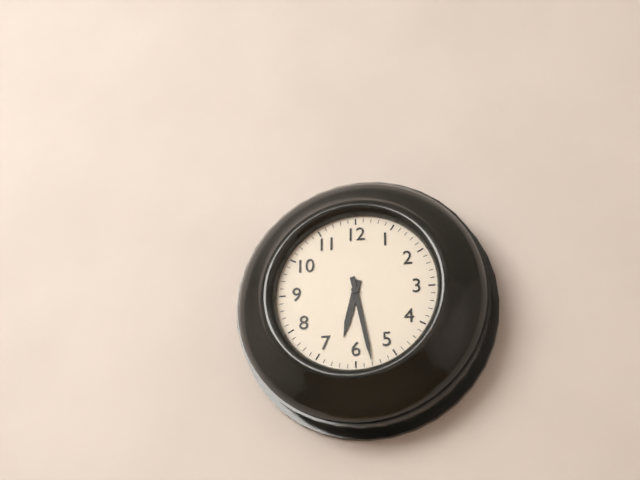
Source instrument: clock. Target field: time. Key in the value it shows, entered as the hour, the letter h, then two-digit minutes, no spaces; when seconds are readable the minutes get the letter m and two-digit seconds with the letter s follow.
6h28
